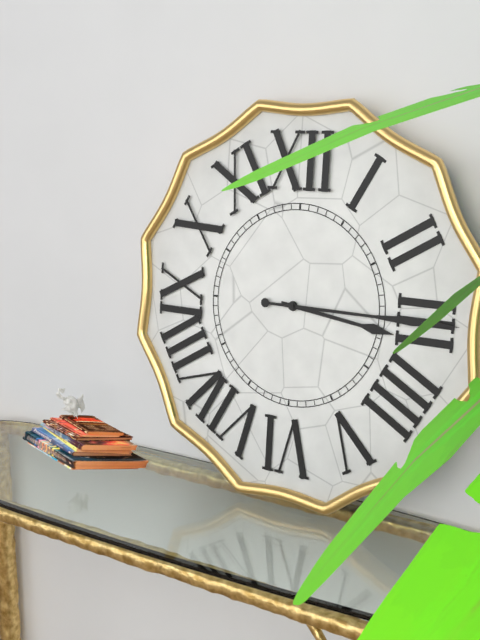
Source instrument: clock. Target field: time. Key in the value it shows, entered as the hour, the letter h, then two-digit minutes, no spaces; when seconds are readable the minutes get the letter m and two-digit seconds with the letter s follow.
3h15
